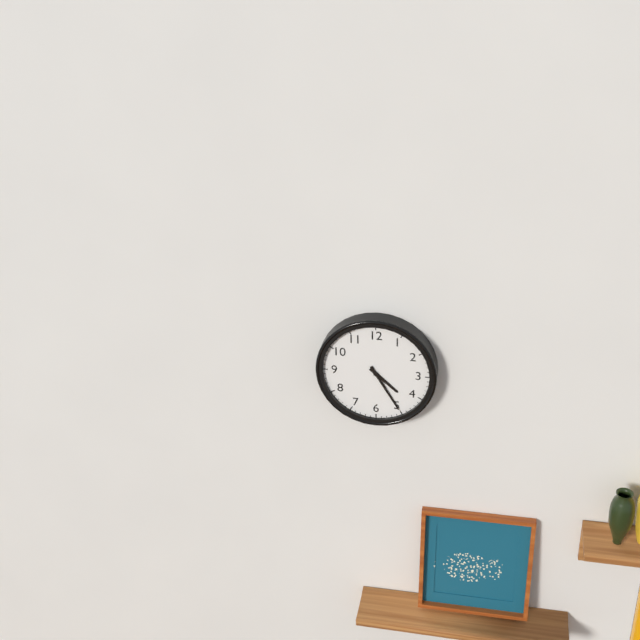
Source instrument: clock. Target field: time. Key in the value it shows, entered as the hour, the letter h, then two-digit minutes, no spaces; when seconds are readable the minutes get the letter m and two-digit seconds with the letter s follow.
4h25
